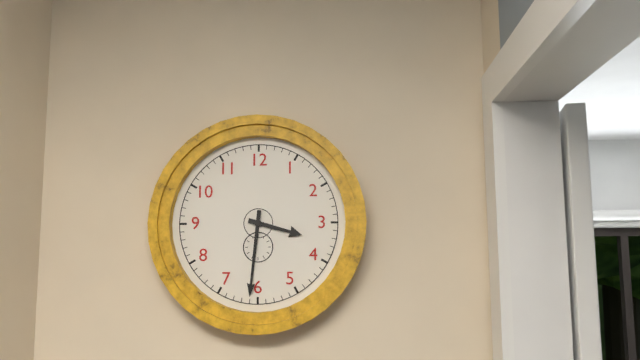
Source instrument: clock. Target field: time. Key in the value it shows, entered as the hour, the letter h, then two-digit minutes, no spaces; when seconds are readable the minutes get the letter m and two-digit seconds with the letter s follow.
3h31
